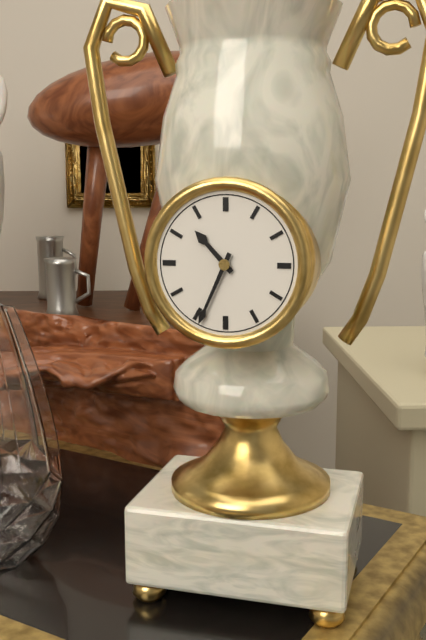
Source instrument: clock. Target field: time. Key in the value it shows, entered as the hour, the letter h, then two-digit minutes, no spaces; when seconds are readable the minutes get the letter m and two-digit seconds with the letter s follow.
10h34
